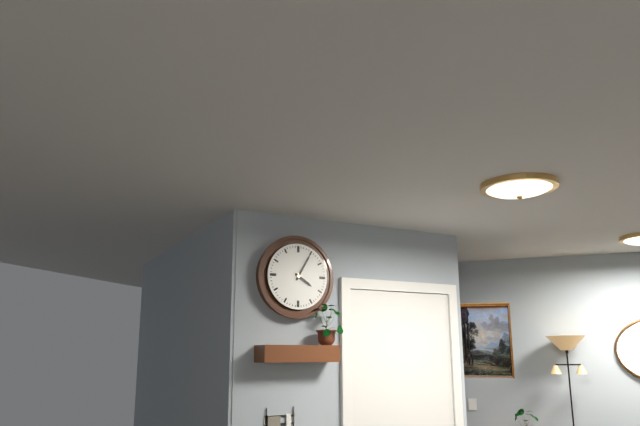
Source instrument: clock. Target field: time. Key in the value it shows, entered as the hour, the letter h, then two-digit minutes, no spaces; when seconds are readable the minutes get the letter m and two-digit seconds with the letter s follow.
4h05
